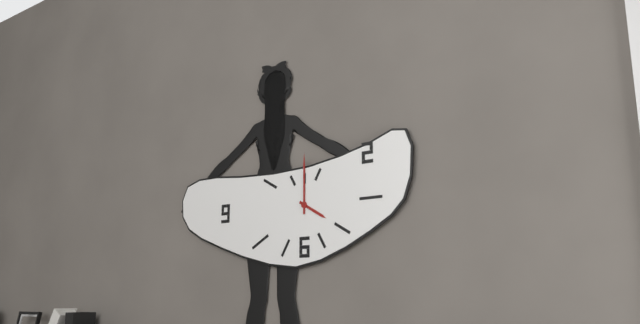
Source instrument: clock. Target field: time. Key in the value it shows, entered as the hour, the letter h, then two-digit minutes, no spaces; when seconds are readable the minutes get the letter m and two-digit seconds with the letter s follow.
4h00
